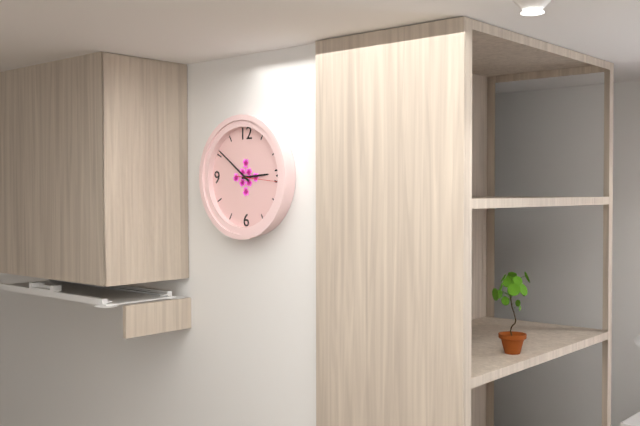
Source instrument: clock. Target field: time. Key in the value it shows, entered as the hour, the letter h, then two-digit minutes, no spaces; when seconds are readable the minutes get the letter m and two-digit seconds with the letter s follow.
2h51
